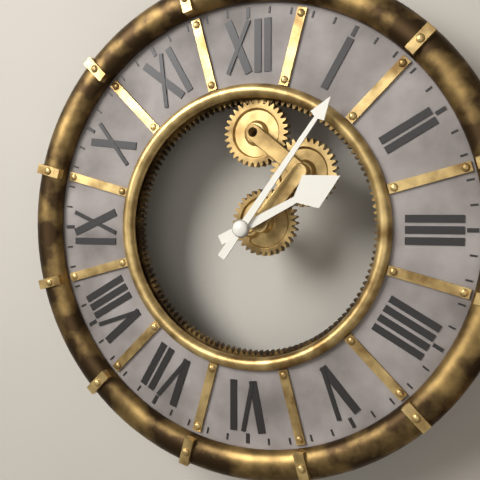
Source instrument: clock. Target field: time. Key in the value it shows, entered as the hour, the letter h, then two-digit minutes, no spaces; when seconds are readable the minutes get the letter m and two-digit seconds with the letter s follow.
2h06
